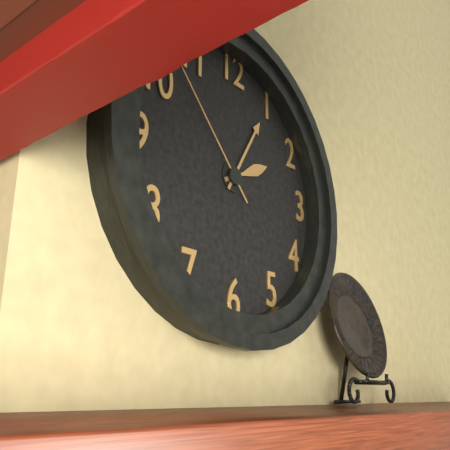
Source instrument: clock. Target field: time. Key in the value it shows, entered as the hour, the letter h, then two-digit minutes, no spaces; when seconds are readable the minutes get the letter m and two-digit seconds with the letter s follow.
2h05m53s
